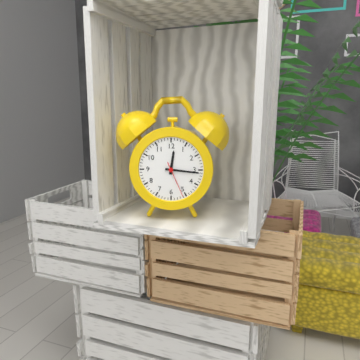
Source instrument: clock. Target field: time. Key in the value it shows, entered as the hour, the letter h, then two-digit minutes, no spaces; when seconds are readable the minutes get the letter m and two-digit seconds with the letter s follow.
12h16
